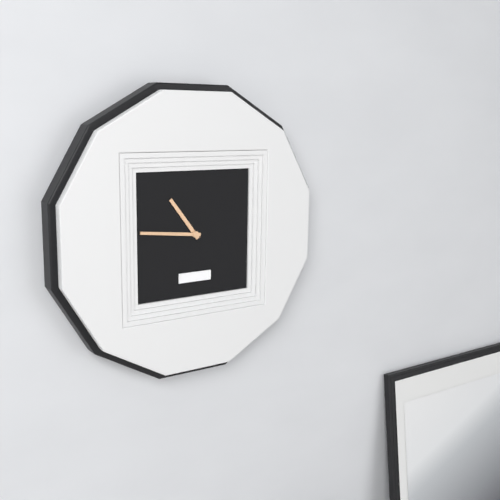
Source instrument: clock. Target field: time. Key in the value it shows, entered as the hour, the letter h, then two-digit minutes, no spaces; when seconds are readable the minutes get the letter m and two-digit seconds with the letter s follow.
10h46
